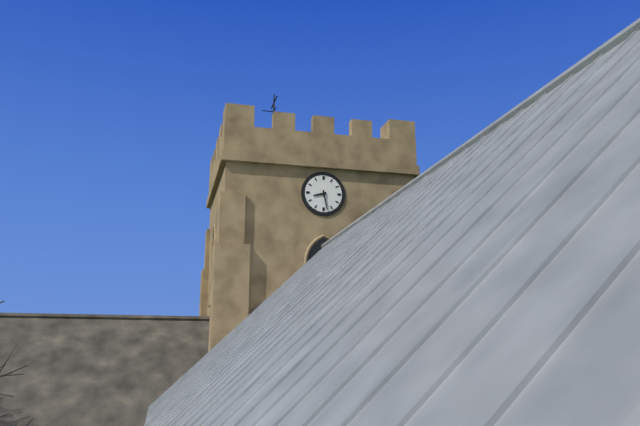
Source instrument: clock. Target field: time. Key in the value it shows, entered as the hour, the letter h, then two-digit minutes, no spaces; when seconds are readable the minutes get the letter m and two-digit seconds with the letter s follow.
8h28
